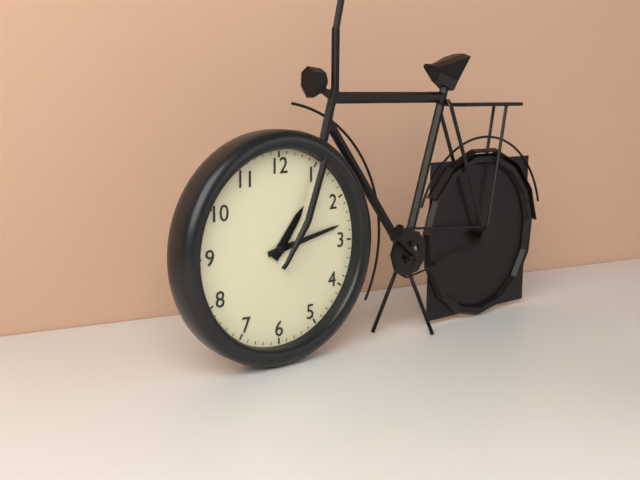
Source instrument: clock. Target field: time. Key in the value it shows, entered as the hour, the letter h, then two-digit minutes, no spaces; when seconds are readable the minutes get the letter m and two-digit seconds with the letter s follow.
1h13
